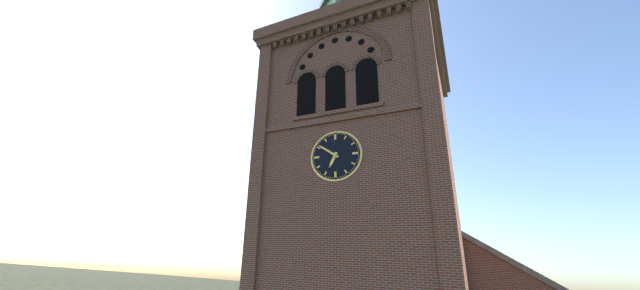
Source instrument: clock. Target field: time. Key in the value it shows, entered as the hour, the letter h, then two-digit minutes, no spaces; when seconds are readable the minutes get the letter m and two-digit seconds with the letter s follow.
6h51
